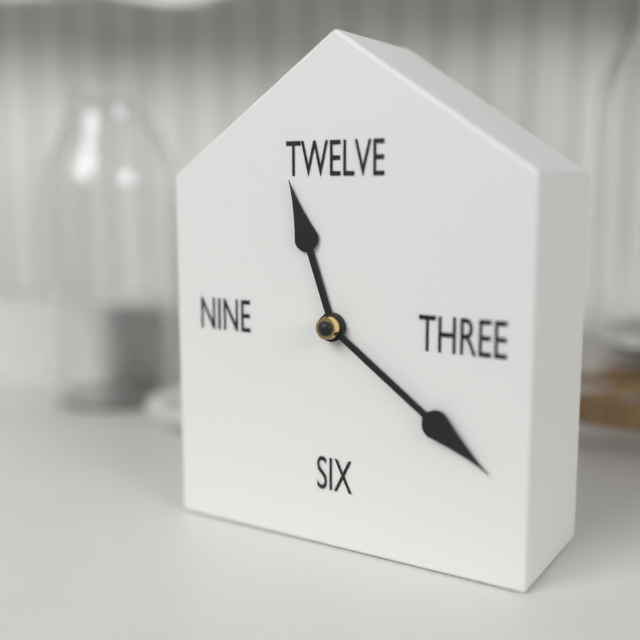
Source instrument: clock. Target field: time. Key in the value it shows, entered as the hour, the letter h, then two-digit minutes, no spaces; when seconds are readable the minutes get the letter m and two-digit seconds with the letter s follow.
11h21
